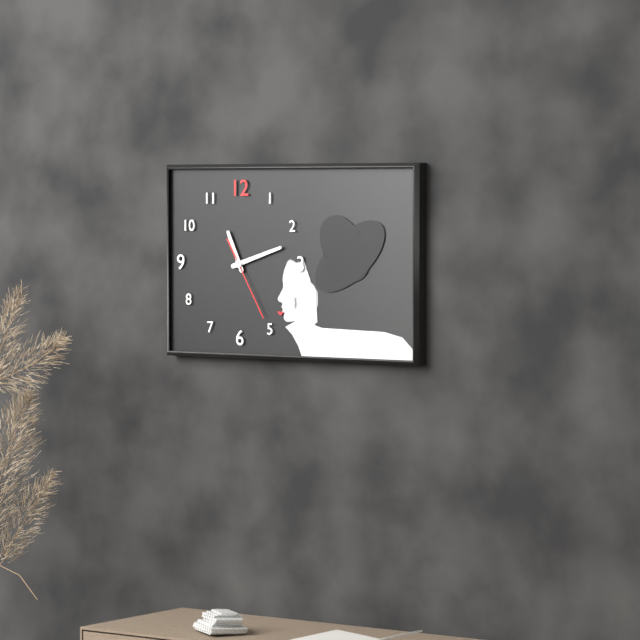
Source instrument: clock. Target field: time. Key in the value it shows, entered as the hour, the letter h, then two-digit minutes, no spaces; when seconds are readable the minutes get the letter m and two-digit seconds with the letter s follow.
11h12m25s
